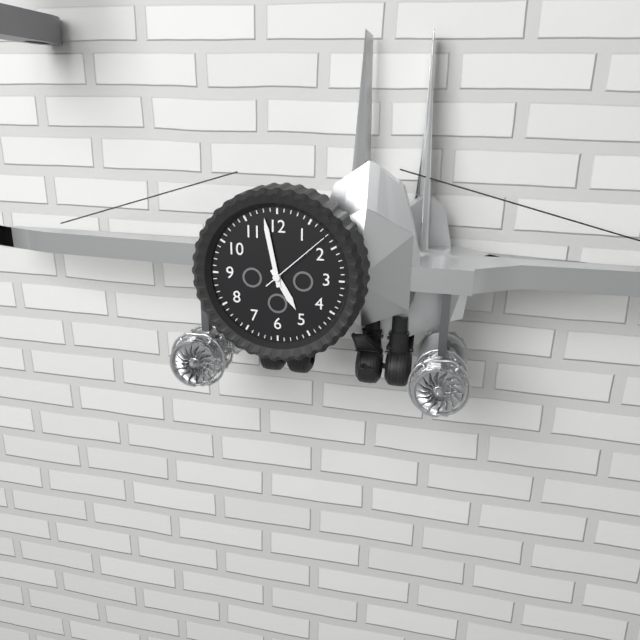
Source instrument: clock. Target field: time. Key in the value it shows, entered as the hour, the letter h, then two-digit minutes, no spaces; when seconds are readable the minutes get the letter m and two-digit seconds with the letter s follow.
4h58m08s
